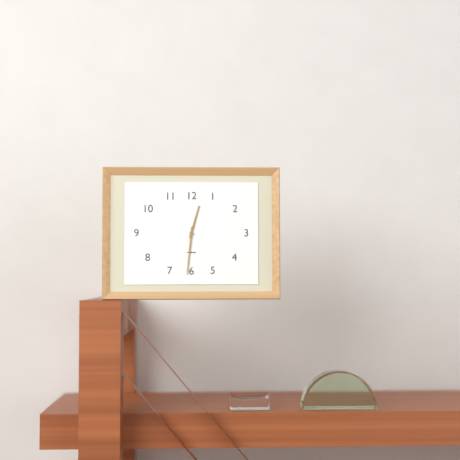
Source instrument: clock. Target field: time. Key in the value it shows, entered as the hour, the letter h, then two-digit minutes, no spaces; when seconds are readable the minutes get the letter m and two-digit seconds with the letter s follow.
12h31
